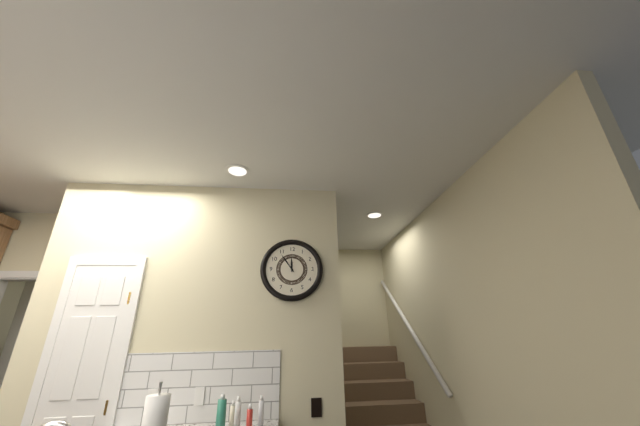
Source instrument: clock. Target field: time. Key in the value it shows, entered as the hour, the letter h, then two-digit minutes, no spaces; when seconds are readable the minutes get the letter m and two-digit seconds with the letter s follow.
11h54
